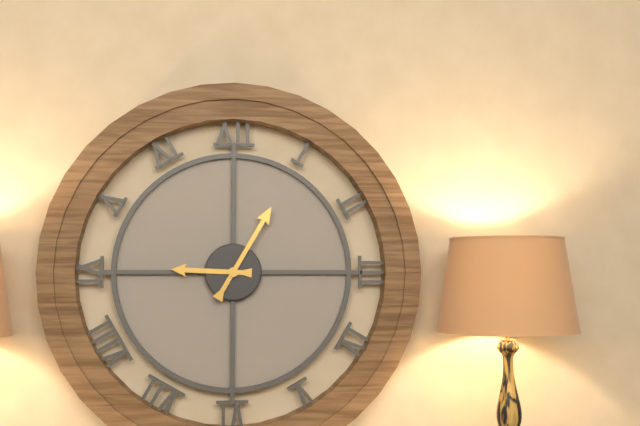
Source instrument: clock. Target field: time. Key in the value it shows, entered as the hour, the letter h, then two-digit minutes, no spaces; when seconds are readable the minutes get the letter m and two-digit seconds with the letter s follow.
9h05
